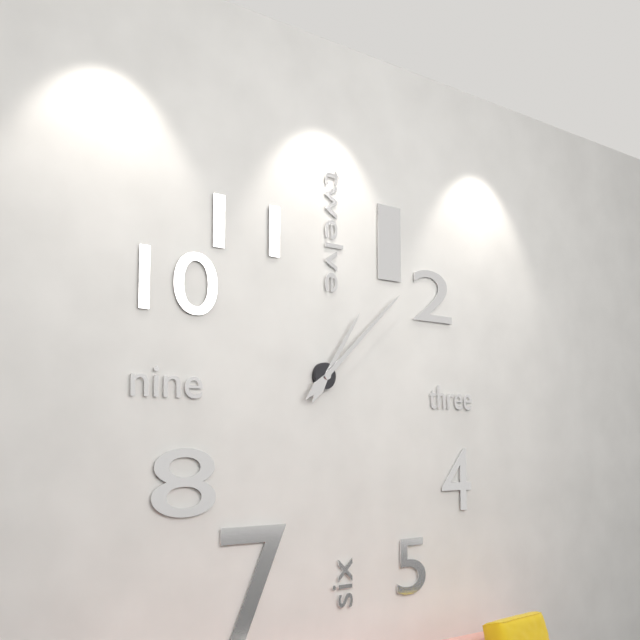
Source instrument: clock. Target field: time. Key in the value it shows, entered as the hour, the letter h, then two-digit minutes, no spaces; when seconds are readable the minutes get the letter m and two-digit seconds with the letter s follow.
1h08
